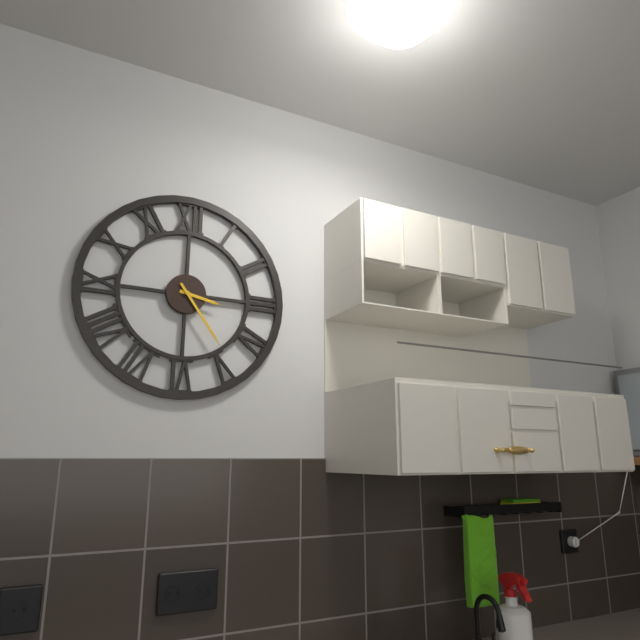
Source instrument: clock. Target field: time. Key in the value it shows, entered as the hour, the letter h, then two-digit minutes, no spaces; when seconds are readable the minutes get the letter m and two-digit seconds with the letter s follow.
3h24
